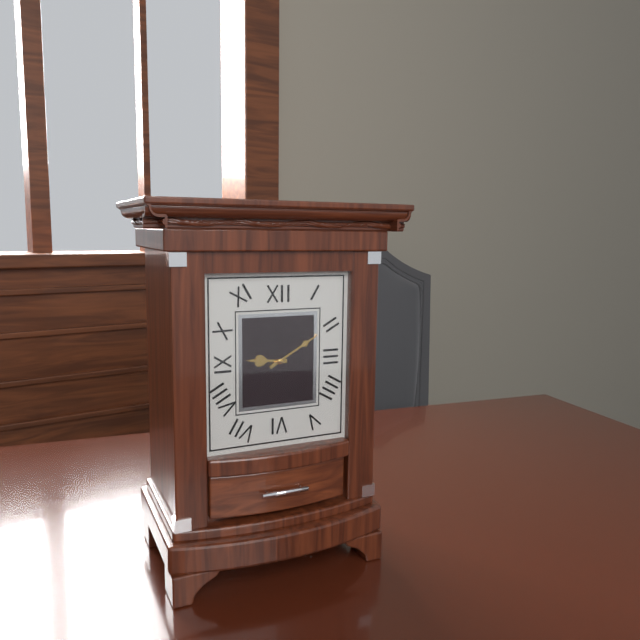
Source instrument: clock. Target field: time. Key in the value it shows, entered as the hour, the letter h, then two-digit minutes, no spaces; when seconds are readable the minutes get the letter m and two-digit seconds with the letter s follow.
9h10
